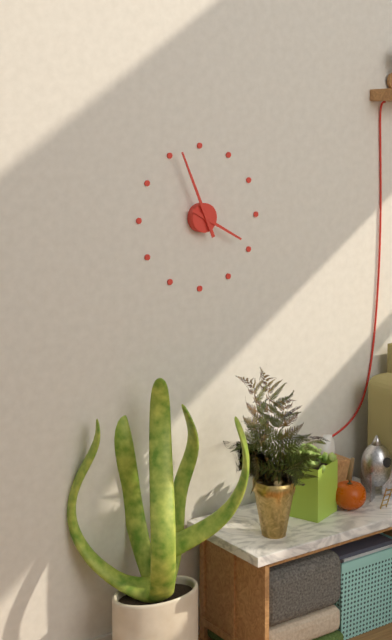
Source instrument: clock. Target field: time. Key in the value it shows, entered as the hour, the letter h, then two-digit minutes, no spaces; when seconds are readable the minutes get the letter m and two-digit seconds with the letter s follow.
3h56
